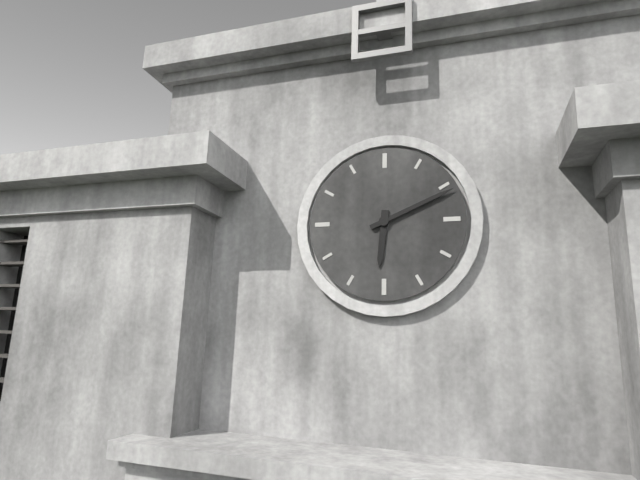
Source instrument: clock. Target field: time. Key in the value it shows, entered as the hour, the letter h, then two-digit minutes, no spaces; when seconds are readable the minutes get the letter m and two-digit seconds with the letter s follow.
6h11
